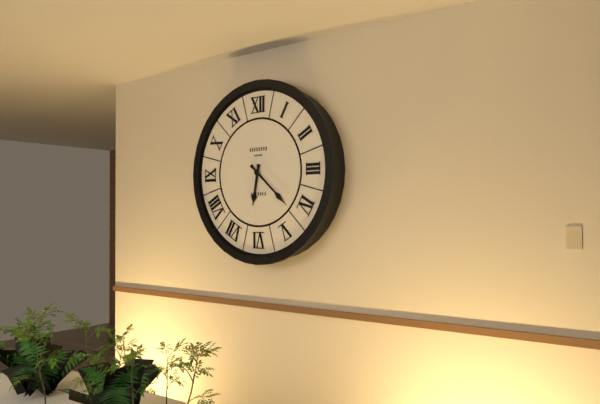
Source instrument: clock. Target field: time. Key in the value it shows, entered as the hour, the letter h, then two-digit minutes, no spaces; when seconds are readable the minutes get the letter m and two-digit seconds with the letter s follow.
6h22
